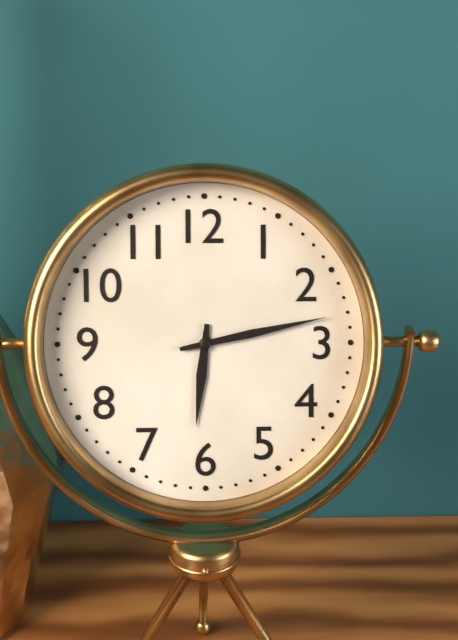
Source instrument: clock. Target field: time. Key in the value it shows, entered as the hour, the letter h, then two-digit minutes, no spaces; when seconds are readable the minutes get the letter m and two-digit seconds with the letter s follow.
6h13
